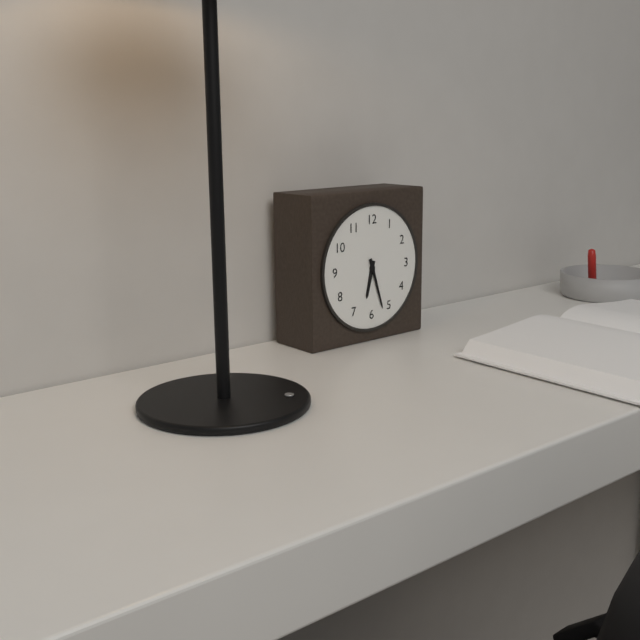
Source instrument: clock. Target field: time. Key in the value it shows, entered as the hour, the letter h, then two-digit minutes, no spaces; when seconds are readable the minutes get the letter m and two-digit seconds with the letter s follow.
6h27
